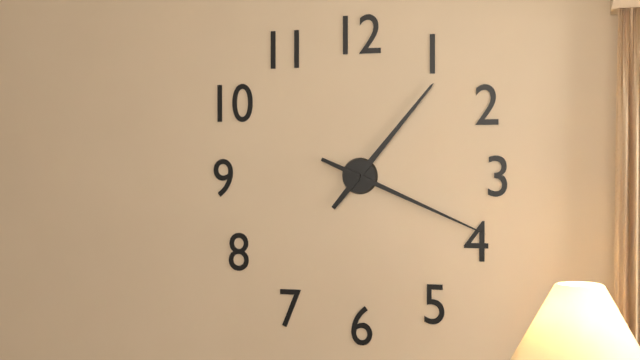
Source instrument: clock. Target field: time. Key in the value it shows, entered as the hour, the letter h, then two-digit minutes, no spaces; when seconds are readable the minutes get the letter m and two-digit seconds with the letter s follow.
1h19
